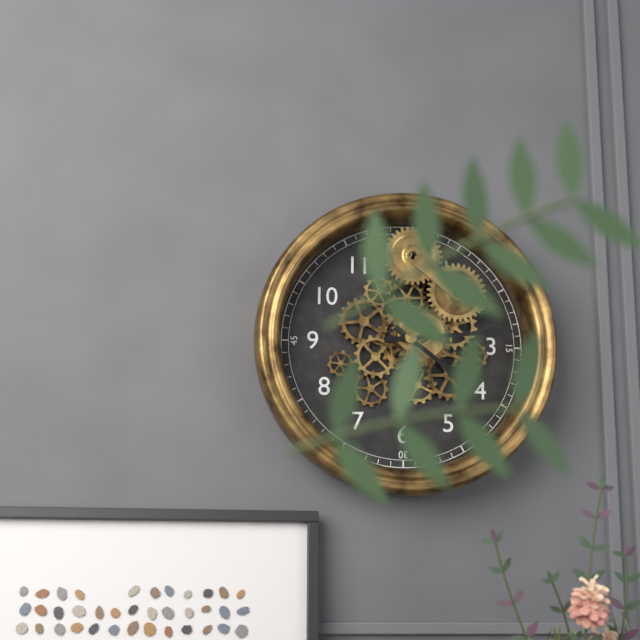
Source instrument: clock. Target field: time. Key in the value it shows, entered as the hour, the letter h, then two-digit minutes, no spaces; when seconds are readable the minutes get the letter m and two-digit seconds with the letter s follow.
4h14
